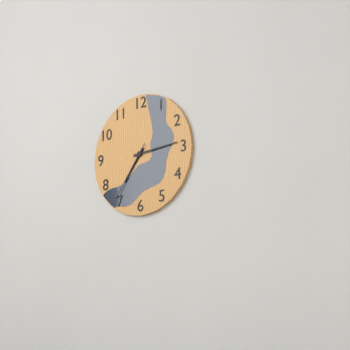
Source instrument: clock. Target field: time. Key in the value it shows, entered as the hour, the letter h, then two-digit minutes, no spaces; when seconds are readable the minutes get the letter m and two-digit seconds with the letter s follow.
7h14m36s
